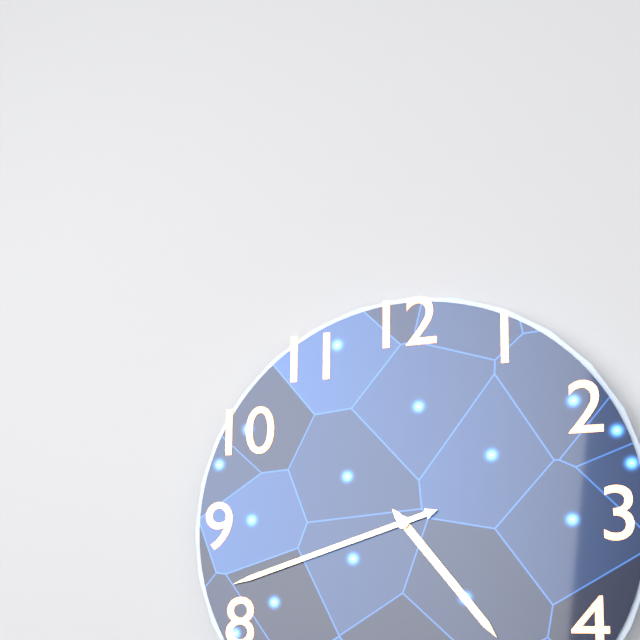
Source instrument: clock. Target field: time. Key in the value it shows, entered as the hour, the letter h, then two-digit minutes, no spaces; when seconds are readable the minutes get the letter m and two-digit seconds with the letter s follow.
4h42
